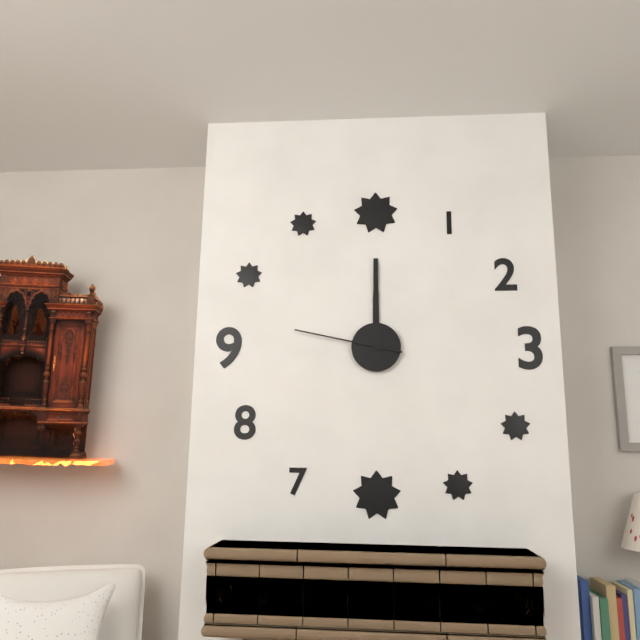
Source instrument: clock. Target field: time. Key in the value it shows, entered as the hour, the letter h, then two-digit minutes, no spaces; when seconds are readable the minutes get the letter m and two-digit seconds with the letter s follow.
12h00m47s
